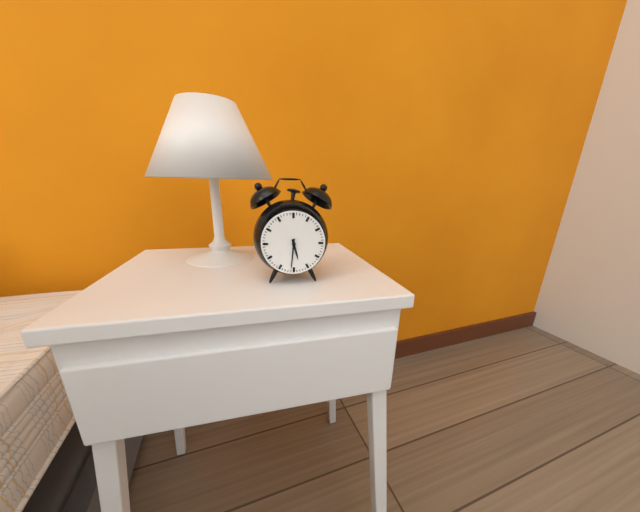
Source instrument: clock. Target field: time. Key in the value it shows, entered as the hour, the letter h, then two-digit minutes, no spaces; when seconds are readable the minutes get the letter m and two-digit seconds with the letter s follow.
5h31
